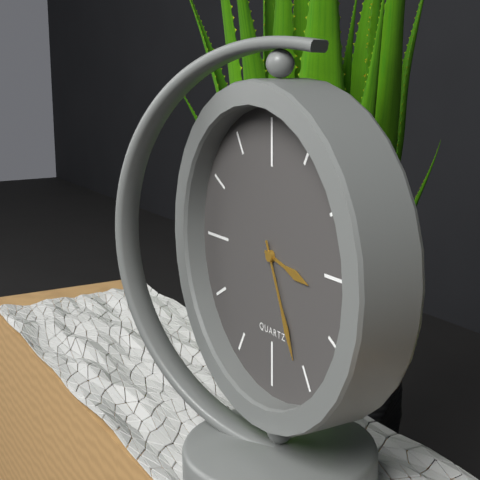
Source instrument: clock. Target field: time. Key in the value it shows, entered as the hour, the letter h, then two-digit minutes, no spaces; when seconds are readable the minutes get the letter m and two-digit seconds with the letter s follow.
3h26
